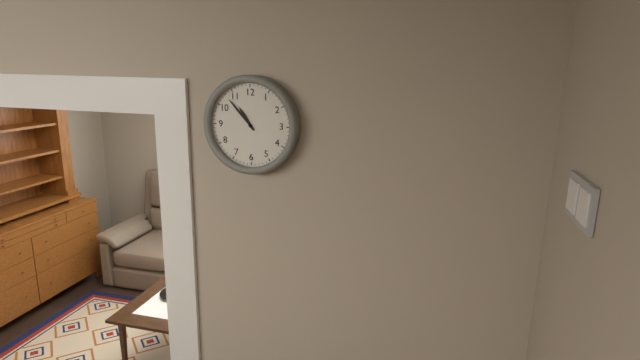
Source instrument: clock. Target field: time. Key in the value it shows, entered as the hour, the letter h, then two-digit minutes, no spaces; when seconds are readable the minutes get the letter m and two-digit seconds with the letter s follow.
10h53
